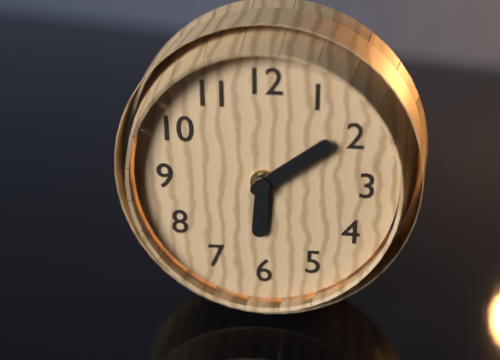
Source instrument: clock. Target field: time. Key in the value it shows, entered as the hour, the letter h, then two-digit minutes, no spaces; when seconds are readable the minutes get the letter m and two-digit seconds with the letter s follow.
6h09
